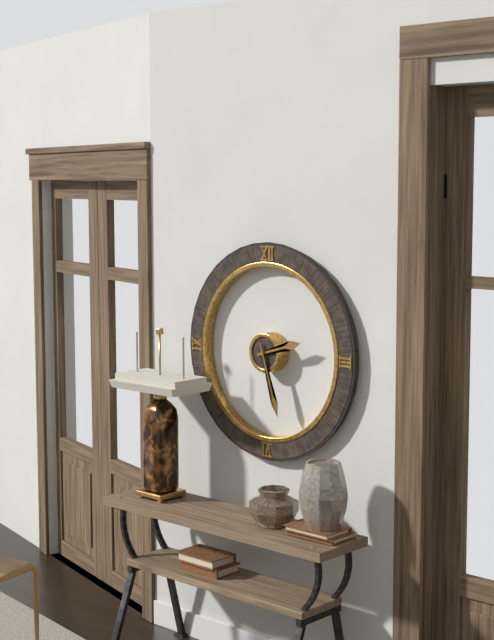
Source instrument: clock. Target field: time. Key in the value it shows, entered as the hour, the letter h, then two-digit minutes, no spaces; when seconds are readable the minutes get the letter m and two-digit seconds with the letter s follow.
2h27
